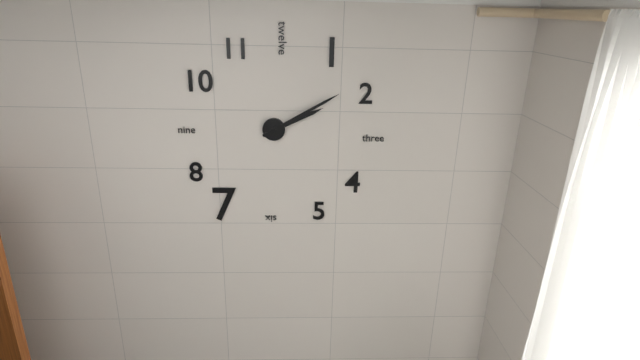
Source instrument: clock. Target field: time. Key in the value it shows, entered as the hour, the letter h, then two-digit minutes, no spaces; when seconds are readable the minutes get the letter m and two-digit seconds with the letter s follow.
2h10
